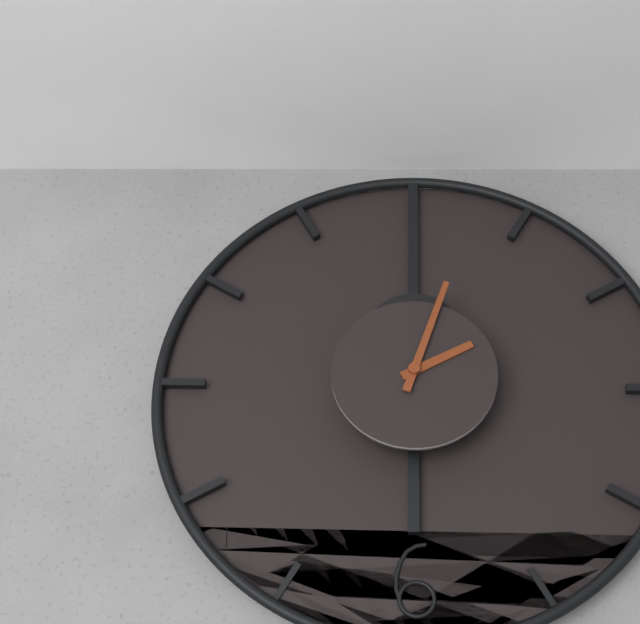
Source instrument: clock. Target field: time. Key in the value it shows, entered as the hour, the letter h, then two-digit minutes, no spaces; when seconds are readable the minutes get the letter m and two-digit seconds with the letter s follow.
2h03
